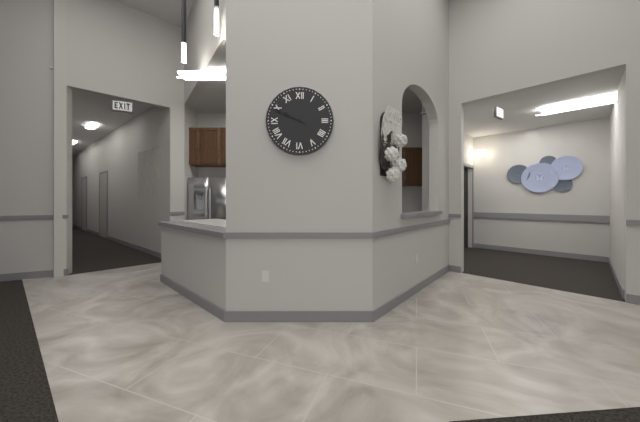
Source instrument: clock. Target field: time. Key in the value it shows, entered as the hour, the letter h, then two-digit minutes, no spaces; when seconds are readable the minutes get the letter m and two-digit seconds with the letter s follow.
9h49
